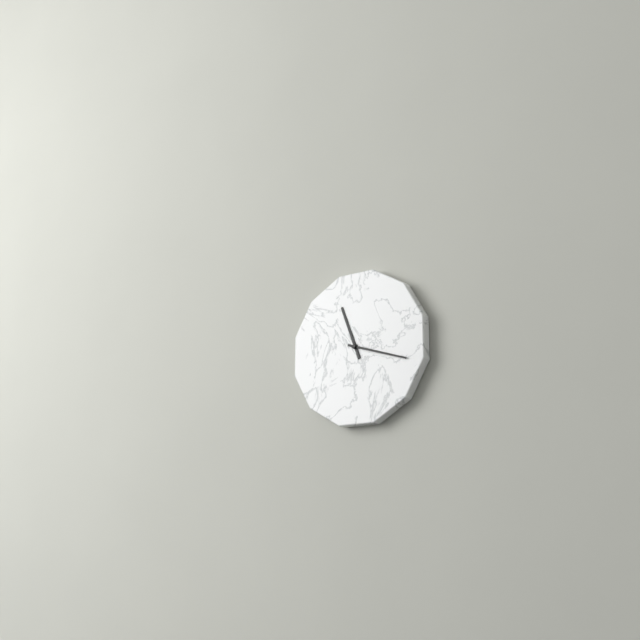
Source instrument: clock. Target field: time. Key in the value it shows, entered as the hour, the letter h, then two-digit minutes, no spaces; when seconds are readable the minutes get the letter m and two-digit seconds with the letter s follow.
11h18
